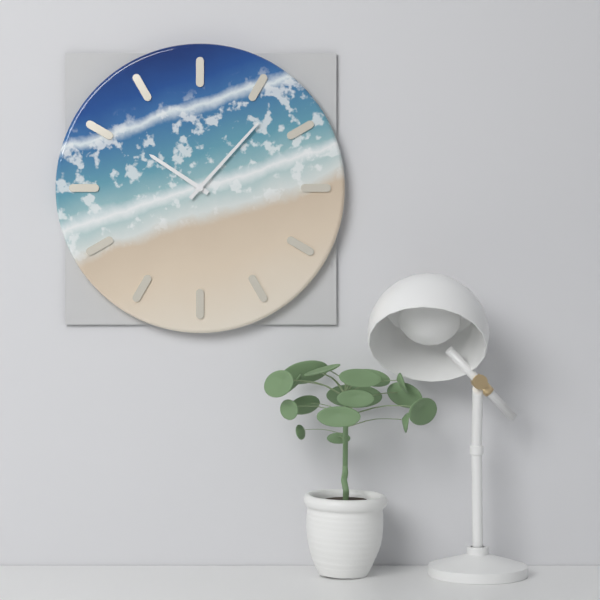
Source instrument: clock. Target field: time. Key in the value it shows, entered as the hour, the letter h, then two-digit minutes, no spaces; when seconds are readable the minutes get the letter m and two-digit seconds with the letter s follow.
10h07
